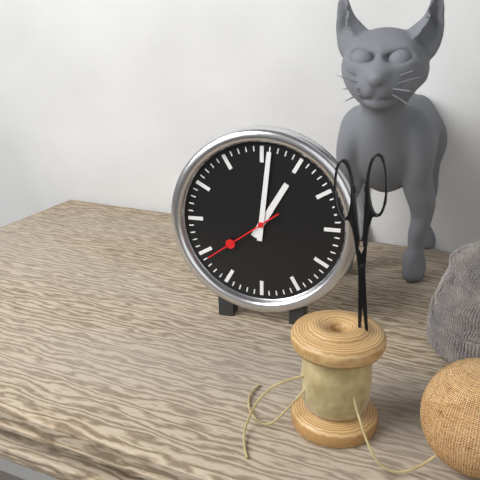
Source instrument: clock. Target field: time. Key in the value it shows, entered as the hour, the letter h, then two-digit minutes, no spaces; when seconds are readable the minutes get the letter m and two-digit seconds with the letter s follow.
1h01m39s
